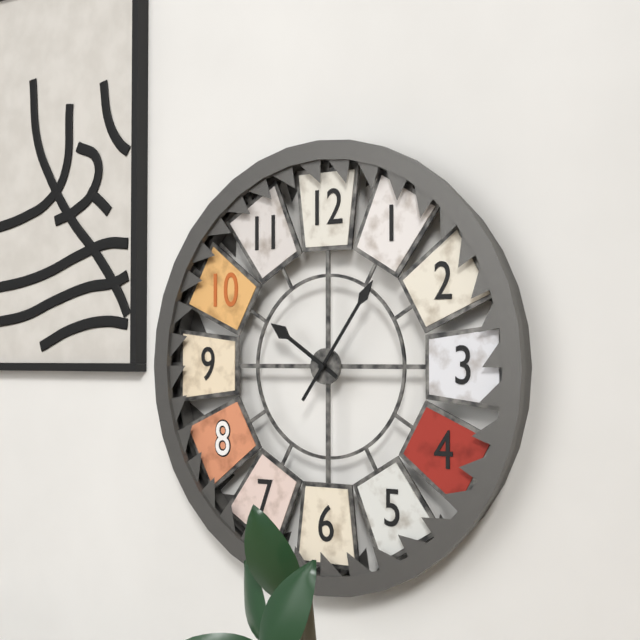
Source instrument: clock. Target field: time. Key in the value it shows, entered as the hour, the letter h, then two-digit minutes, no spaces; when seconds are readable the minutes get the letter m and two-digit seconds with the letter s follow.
10h06
